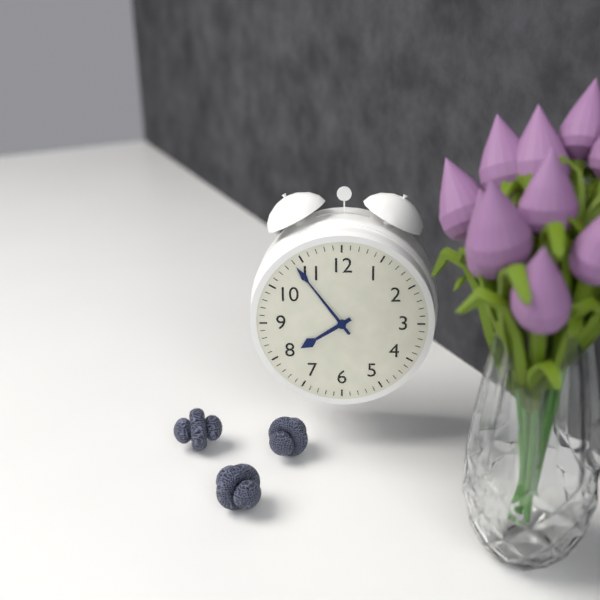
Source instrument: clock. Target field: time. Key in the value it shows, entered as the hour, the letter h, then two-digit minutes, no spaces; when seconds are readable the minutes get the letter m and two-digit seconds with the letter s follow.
7h54
